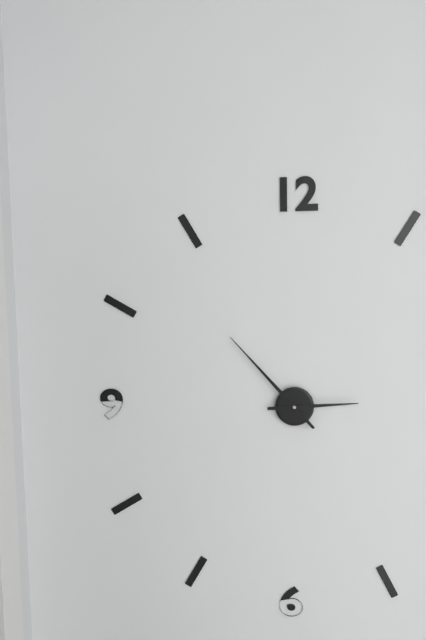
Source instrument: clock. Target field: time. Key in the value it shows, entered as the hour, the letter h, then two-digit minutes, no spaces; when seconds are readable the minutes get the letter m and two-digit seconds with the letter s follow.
2h53
